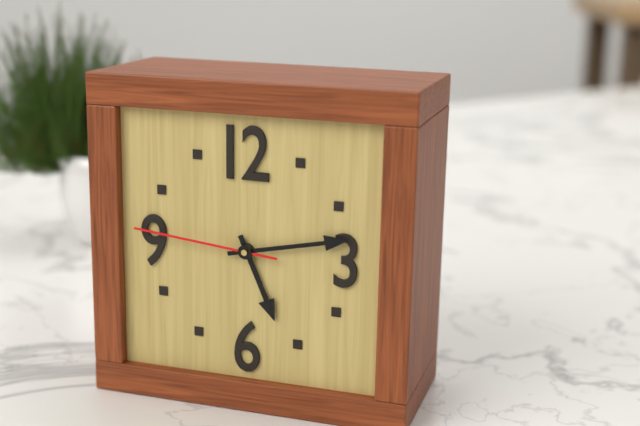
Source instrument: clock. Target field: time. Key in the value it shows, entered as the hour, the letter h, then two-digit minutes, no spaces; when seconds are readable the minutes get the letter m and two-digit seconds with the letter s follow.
5h13m46s
